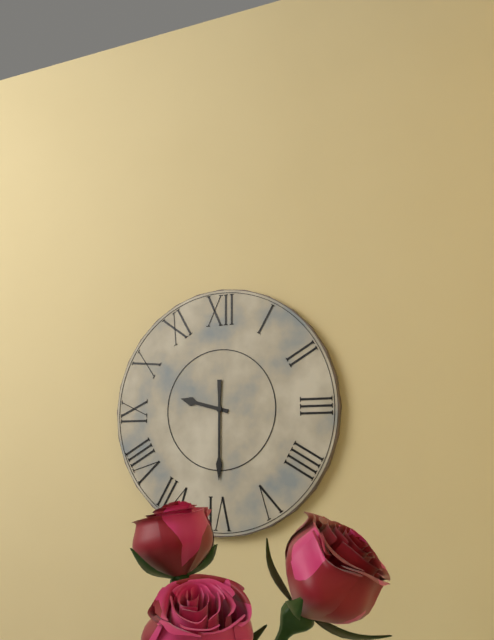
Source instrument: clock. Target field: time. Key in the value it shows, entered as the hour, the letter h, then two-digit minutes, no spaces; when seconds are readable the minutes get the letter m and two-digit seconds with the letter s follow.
9h30
